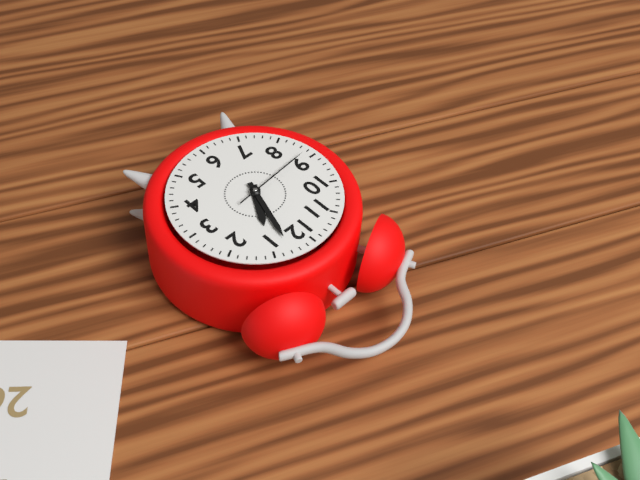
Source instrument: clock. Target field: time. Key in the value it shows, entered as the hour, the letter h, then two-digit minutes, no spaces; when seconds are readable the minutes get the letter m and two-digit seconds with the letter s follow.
1h03m44s
